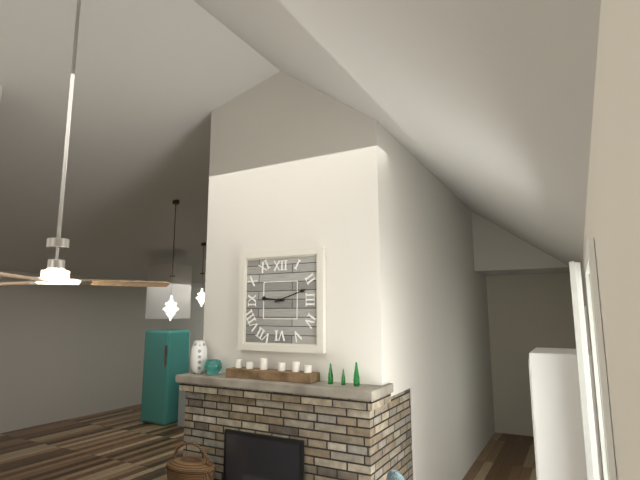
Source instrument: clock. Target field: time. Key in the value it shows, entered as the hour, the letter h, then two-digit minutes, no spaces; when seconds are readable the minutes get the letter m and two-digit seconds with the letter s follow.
9h12
